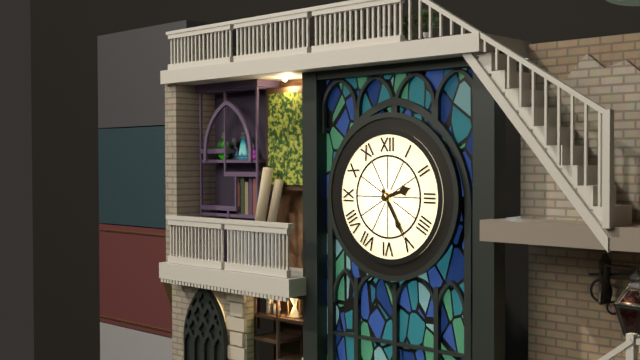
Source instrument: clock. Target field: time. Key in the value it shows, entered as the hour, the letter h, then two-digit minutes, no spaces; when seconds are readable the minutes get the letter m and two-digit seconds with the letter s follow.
2h25
